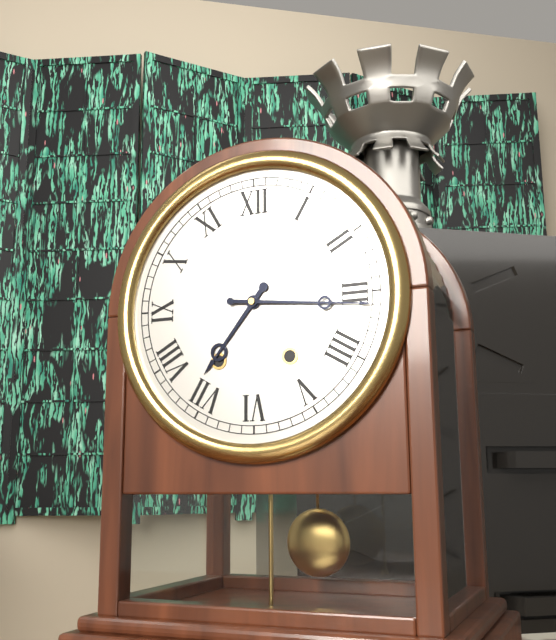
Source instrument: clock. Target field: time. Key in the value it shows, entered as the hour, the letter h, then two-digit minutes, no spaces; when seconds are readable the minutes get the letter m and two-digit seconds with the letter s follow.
7h16
